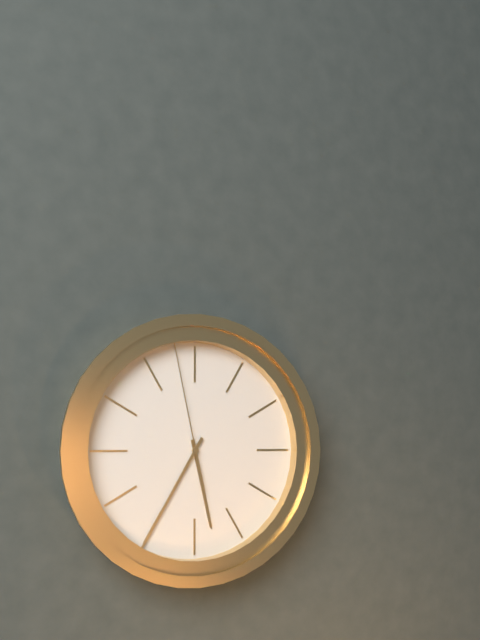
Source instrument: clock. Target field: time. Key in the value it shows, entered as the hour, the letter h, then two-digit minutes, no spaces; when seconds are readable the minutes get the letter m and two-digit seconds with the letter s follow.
5h35m58s
